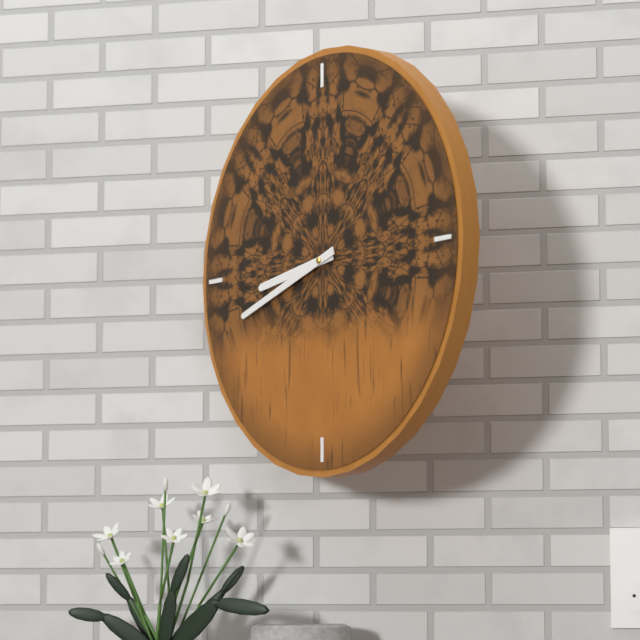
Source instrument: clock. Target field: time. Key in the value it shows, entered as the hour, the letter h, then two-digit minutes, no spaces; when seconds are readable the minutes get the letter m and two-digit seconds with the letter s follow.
8h42
